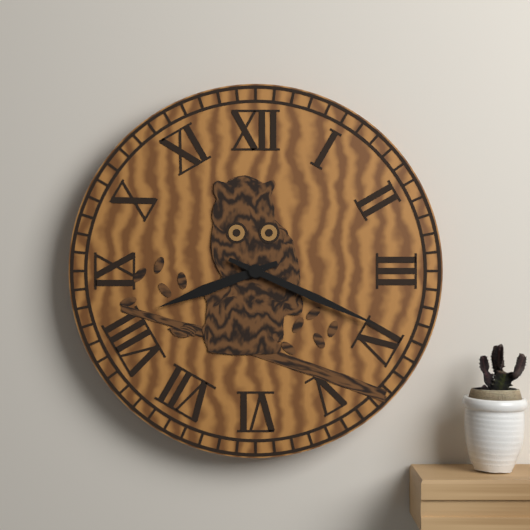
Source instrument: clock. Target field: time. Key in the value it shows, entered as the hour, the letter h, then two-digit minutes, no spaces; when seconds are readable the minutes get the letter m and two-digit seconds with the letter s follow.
8h19
